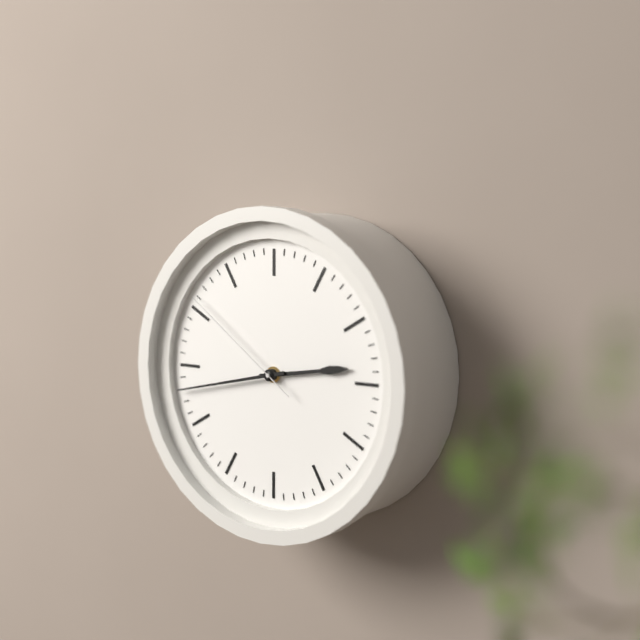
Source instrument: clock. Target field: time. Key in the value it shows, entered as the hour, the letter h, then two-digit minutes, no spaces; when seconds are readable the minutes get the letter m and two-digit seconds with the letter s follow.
2h43m51s
